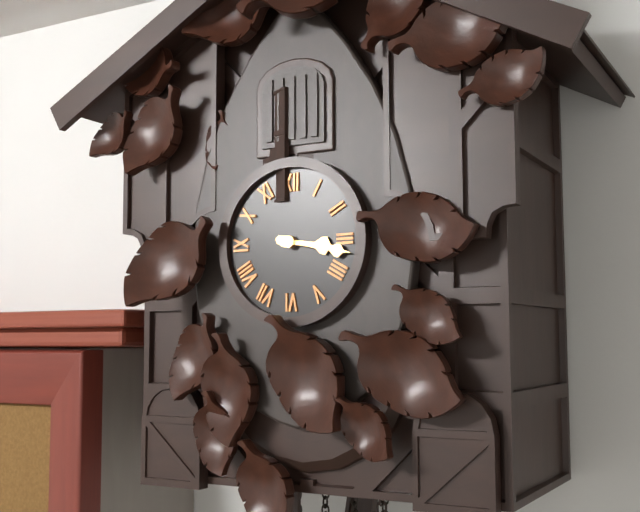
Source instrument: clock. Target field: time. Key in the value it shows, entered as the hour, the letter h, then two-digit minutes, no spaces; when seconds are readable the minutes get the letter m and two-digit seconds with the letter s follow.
3h17
